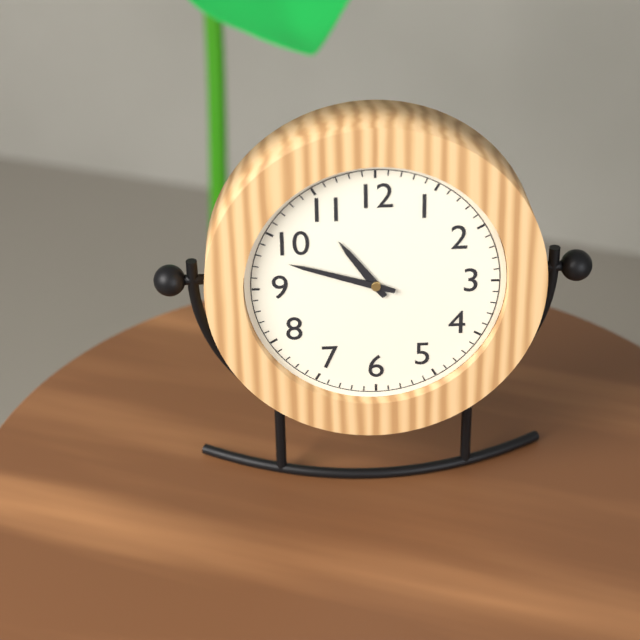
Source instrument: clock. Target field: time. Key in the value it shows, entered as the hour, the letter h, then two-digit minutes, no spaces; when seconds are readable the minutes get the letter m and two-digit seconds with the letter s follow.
10h48
